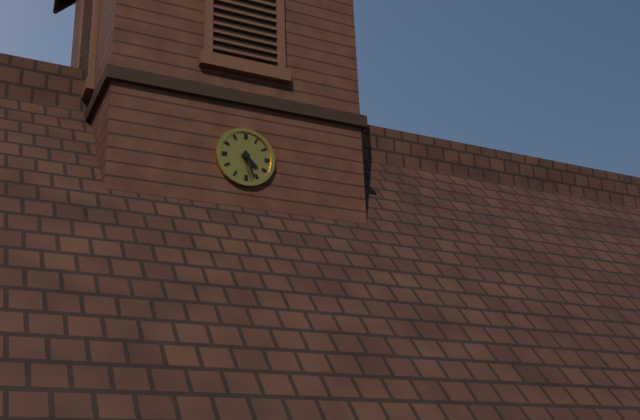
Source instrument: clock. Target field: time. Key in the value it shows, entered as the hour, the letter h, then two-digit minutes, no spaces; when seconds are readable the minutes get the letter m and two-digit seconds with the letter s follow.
4h27
